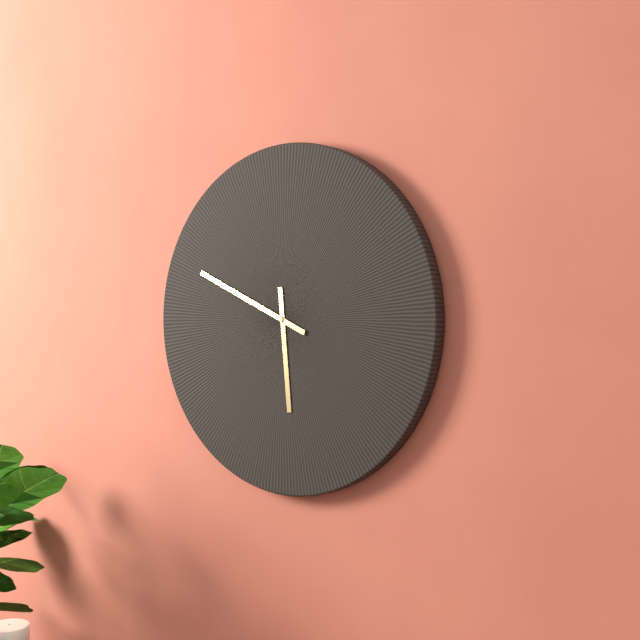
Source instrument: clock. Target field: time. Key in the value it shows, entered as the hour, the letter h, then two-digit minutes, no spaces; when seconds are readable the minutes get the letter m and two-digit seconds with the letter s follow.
5h49
